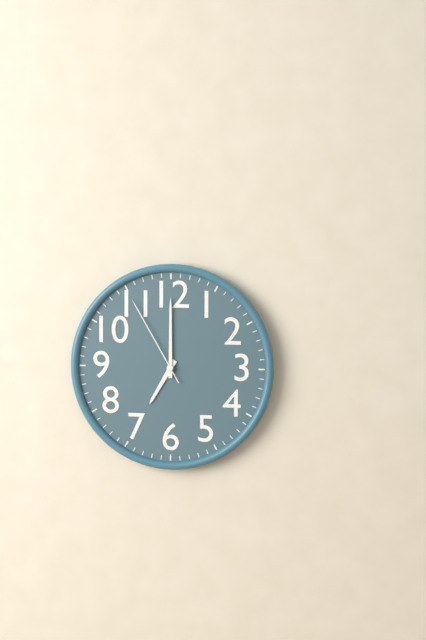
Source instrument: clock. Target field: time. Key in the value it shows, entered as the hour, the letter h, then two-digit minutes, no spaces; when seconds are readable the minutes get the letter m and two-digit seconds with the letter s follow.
7h00m55s
